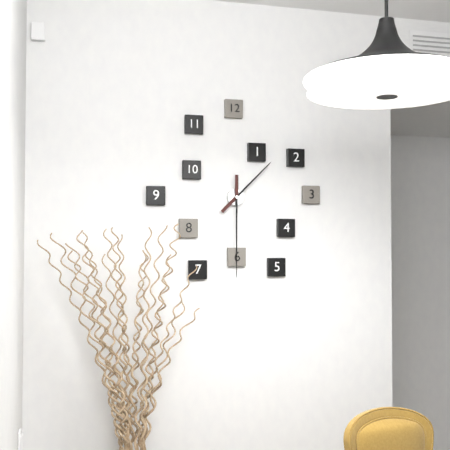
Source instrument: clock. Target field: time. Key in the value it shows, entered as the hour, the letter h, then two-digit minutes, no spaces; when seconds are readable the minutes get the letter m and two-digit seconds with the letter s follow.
1h30
